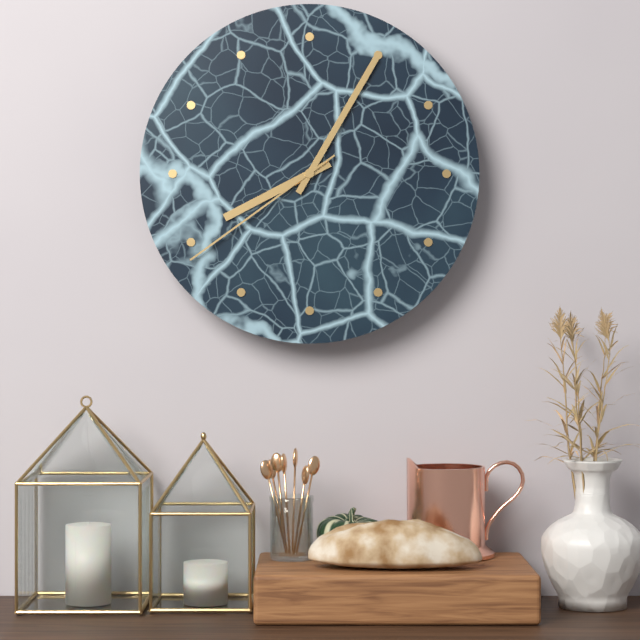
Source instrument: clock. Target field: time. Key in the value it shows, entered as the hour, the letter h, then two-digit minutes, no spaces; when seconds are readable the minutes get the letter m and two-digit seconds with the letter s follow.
8h05m39s
